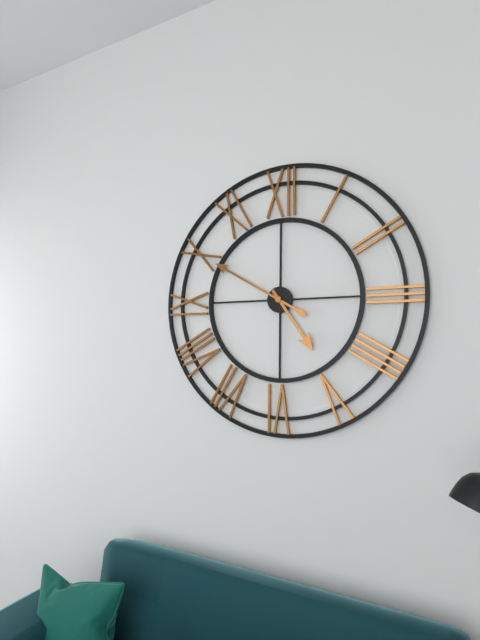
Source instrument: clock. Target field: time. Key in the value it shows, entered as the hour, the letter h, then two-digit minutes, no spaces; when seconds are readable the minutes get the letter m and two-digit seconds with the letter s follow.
4h50
